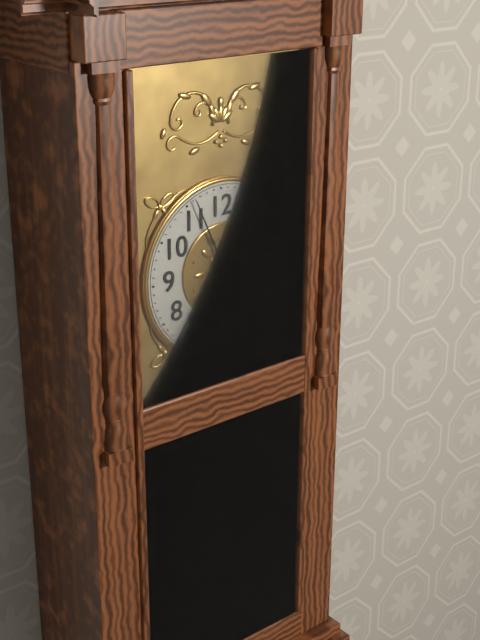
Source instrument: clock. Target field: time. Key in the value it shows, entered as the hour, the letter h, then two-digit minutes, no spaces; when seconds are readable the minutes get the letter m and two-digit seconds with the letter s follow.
5h56
